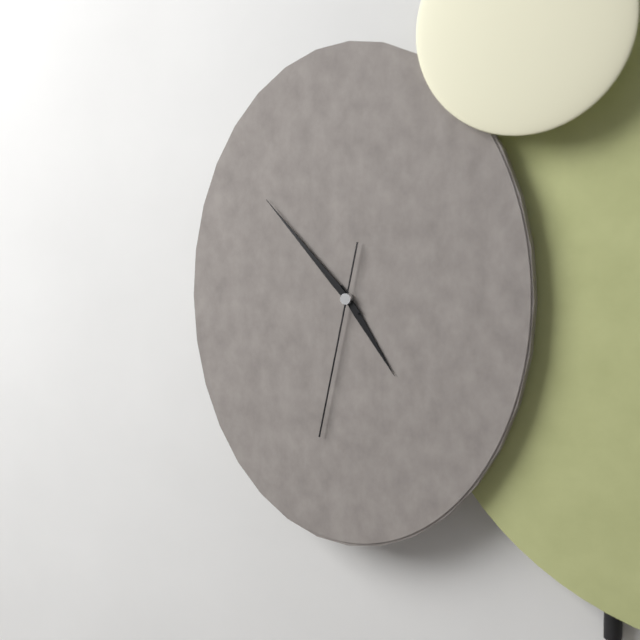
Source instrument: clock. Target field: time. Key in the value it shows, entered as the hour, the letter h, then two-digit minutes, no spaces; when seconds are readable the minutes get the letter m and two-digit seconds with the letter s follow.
4h53m32s
